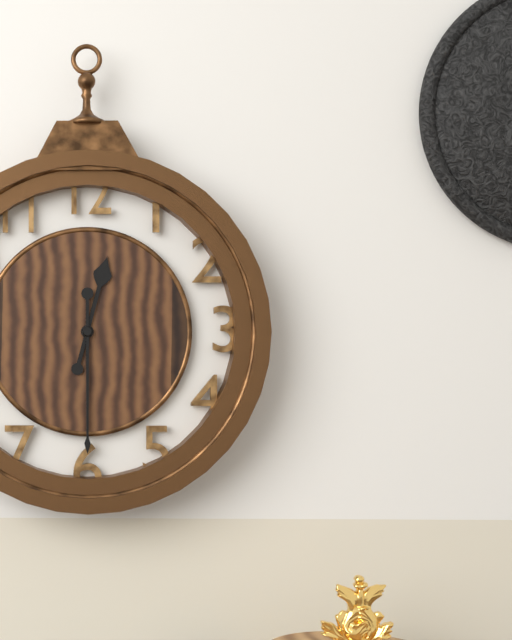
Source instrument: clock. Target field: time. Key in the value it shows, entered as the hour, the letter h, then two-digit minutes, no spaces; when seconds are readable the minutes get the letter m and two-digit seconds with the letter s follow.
12h30
